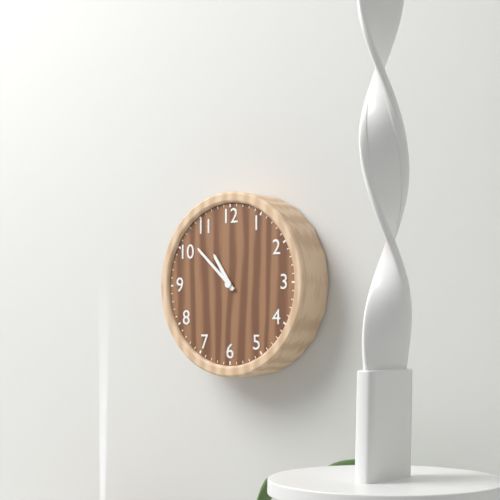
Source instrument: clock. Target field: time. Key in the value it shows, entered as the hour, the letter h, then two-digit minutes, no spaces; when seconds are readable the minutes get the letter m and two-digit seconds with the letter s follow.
10h52
